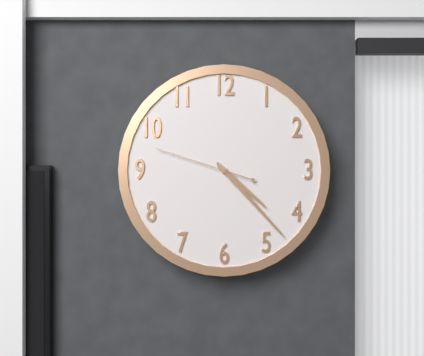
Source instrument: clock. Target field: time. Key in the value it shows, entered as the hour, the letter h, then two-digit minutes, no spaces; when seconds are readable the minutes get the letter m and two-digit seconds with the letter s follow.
4h23m48s
